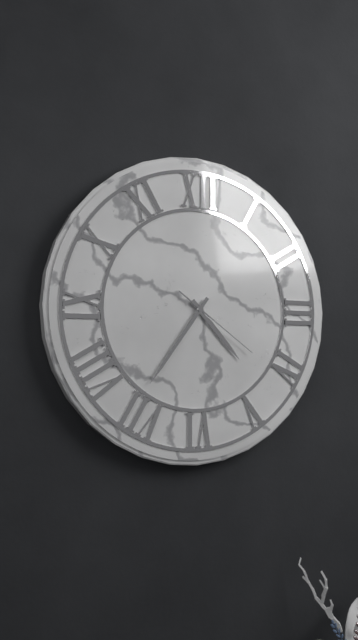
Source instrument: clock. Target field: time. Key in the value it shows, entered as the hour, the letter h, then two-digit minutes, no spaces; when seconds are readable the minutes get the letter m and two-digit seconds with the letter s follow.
4h36m21s
